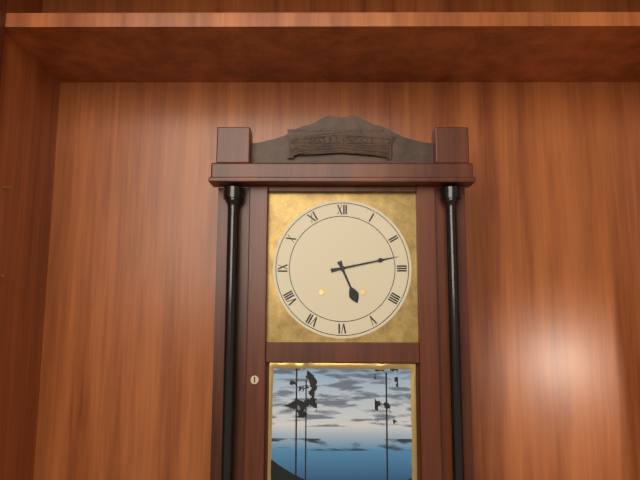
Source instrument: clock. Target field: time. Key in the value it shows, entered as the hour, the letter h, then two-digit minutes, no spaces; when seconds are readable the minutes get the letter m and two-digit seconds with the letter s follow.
5h13
